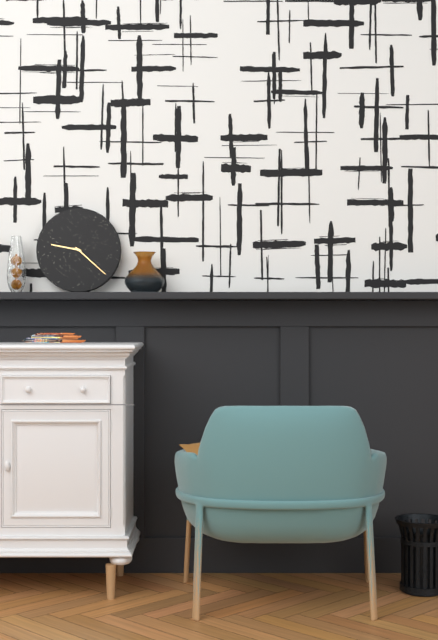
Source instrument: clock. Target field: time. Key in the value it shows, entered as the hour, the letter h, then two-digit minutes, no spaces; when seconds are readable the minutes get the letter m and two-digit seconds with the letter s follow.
9h22
